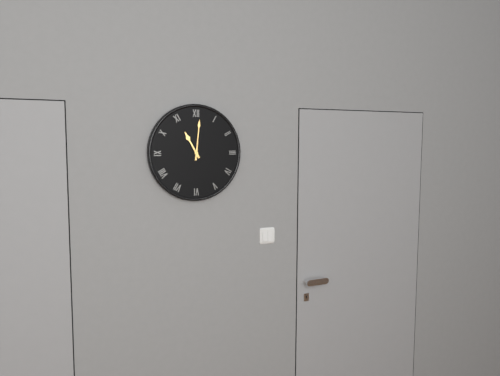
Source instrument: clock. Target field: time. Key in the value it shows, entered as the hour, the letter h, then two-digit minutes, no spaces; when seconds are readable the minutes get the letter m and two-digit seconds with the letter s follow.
11h01
